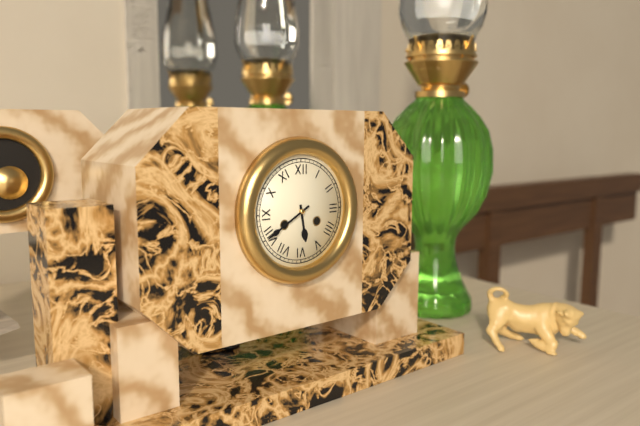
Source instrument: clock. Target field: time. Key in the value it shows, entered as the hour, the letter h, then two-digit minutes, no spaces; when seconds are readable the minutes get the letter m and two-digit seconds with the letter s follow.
5h40
